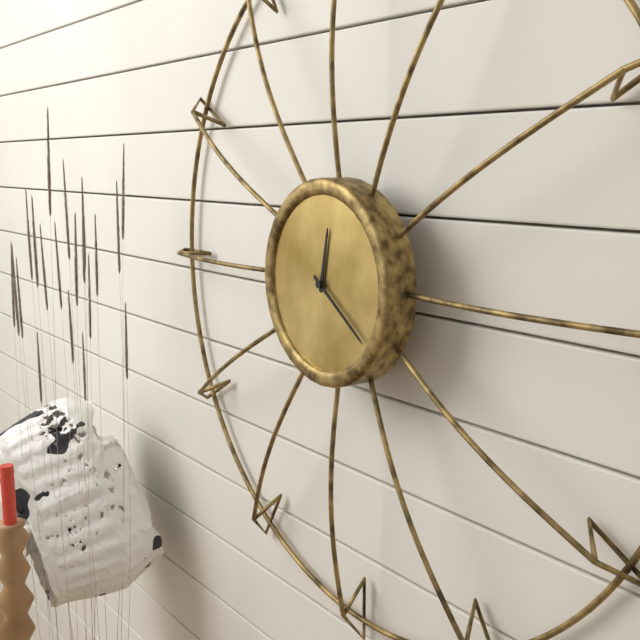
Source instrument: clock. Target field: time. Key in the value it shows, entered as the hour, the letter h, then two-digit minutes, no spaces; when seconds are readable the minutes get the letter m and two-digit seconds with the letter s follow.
12h21
